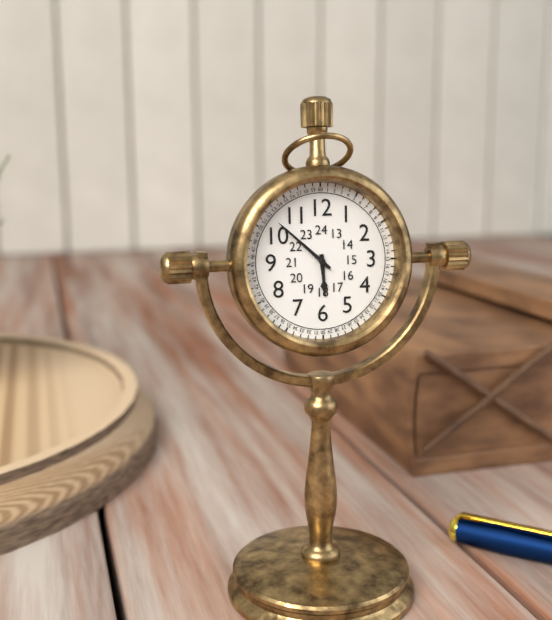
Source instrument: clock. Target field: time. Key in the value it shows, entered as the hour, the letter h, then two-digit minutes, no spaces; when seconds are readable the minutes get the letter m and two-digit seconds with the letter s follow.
5h52
